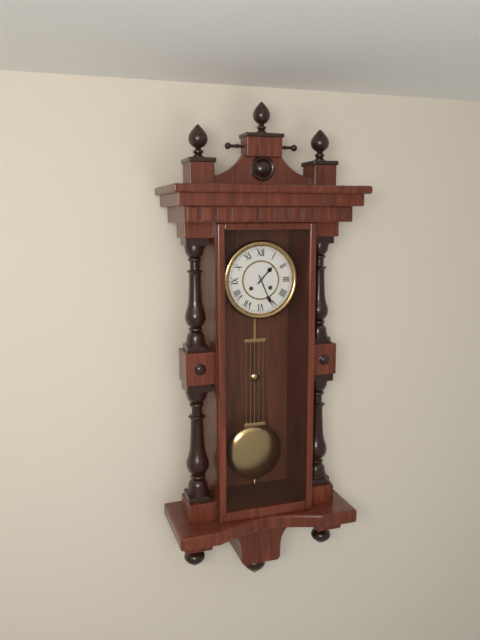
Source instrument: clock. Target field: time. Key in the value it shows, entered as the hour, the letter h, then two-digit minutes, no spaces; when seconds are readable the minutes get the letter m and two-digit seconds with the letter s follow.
1h26
